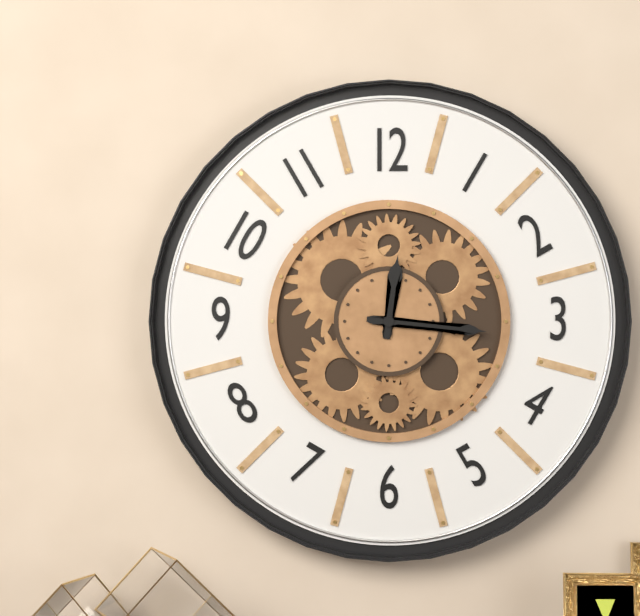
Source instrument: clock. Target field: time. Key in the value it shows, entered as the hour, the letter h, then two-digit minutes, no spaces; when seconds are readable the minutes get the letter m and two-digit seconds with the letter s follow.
12h16
